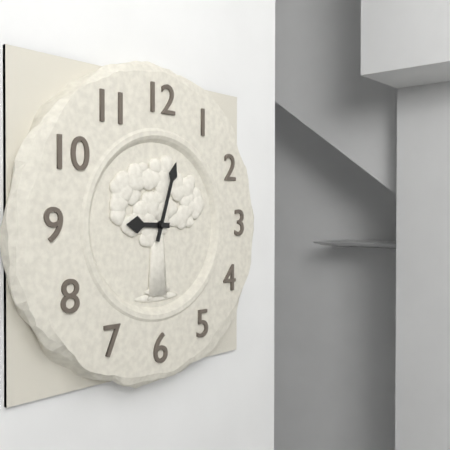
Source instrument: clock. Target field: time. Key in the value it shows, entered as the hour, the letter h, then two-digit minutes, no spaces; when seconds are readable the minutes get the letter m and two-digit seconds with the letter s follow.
9h03
